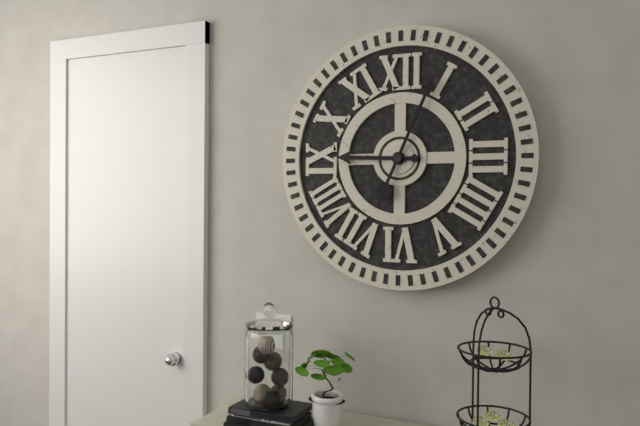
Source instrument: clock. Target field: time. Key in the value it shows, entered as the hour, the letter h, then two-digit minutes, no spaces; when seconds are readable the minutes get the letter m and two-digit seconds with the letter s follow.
9h04
